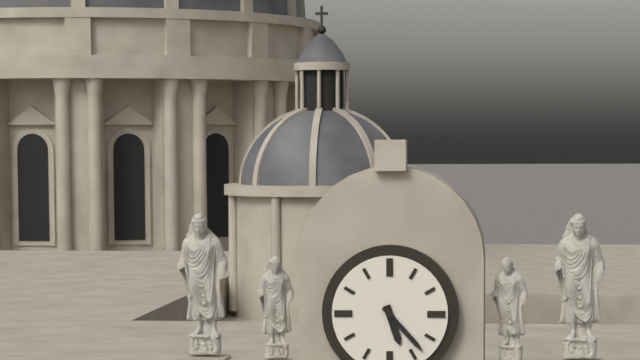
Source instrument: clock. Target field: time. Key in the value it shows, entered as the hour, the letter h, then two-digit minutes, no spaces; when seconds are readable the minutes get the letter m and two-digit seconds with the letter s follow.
5h23
